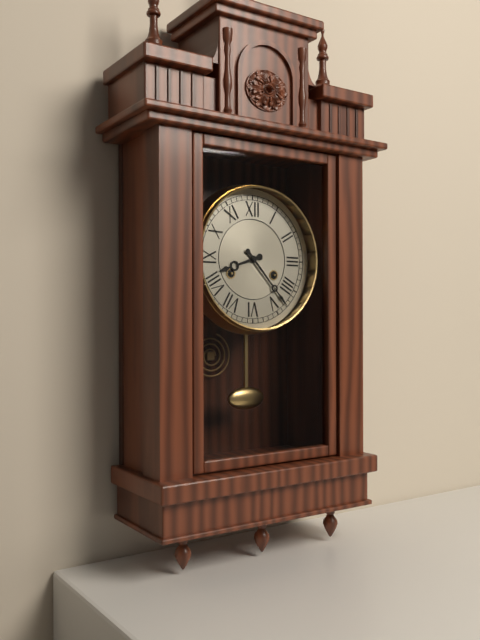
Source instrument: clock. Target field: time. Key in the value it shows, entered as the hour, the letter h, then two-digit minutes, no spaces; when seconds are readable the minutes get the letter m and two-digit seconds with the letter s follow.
8h23
